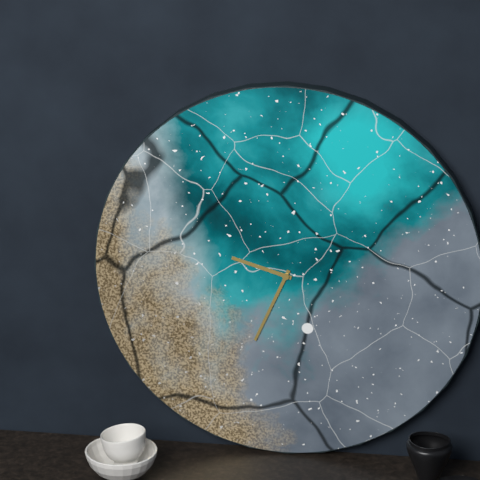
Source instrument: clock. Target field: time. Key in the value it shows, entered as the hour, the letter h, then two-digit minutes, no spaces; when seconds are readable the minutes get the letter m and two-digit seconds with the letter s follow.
9h34
